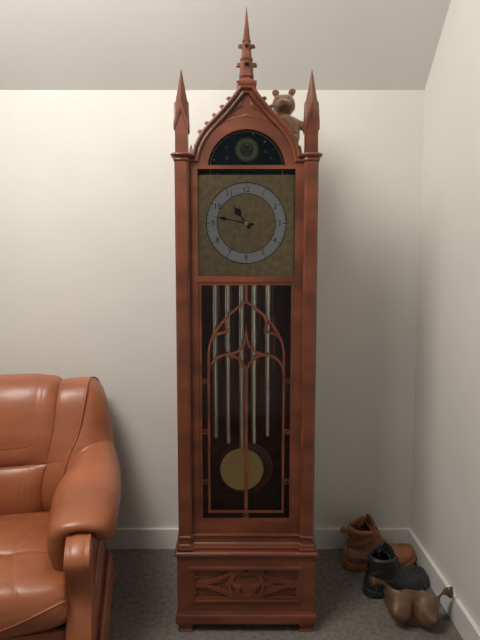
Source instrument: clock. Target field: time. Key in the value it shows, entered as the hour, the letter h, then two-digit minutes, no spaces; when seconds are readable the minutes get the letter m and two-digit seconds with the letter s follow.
10h47
